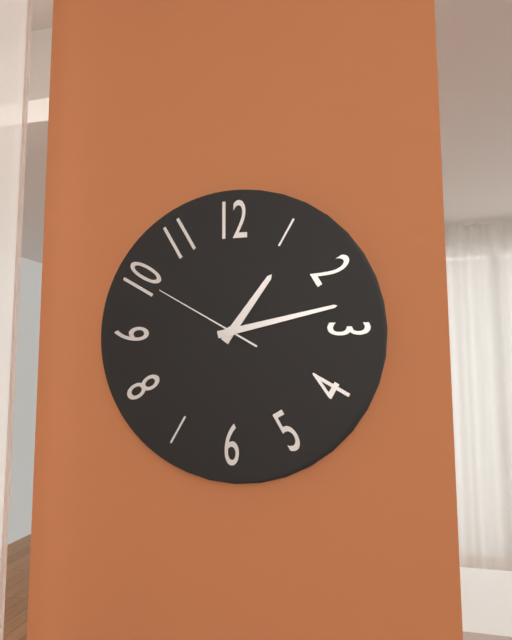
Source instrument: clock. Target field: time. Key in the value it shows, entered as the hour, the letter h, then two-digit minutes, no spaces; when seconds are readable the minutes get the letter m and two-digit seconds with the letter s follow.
1h13m50s
